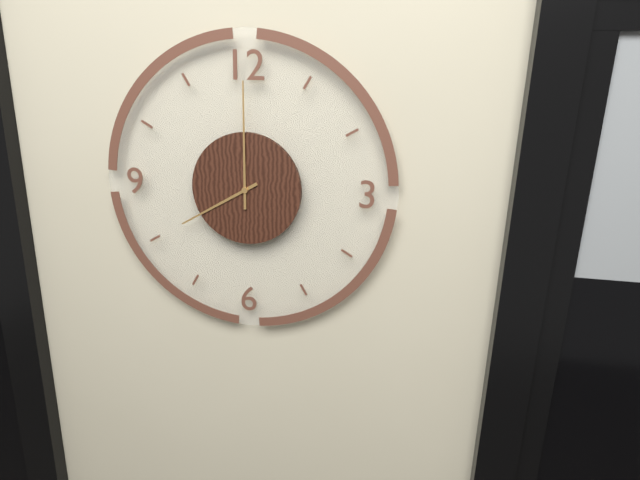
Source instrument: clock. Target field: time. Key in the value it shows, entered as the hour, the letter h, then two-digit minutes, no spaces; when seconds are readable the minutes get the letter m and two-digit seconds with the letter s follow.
8h00
